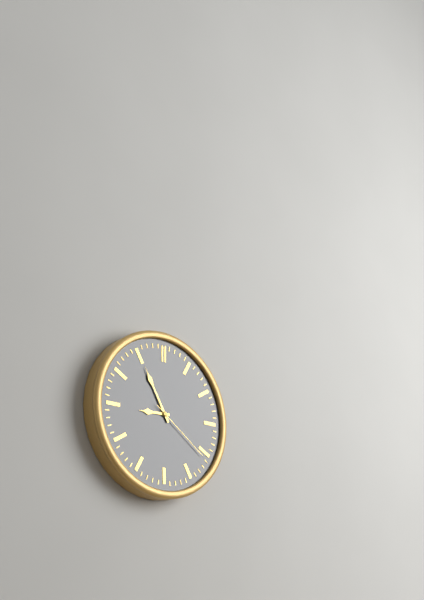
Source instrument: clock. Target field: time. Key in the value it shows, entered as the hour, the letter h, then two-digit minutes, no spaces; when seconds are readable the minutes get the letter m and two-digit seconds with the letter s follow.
8h55m21s
